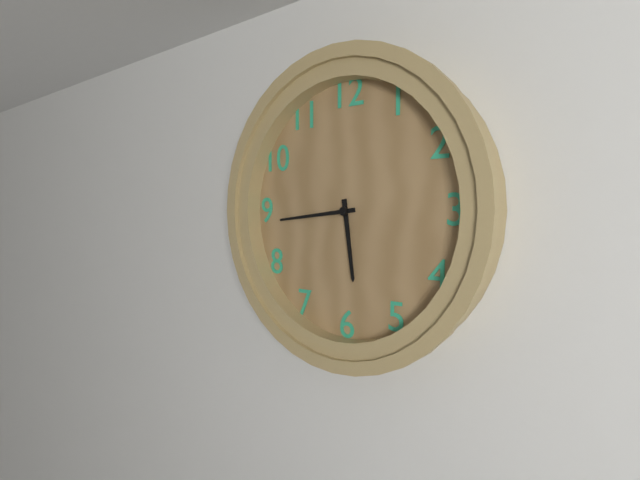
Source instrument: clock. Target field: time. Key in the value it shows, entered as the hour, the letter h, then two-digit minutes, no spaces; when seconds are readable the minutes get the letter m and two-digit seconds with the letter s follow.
5h44
